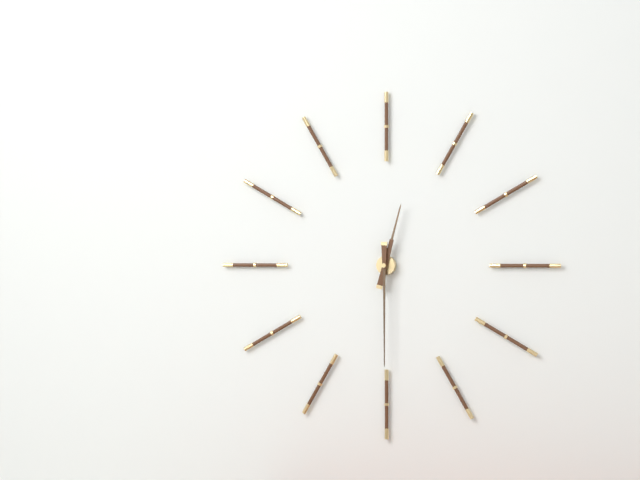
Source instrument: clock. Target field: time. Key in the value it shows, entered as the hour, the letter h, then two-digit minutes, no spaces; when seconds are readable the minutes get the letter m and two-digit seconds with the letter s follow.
12h30
